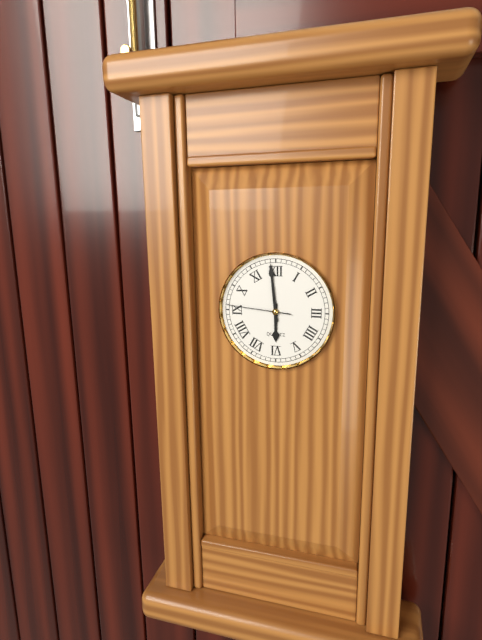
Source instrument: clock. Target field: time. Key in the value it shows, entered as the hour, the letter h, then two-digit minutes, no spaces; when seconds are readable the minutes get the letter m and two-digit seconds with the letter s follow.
5h59m46s
